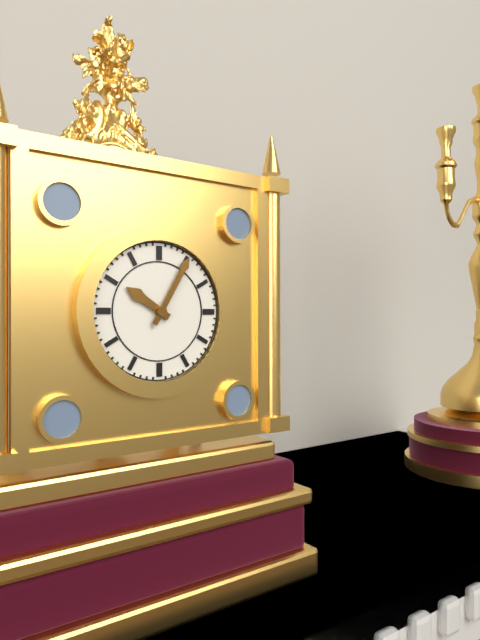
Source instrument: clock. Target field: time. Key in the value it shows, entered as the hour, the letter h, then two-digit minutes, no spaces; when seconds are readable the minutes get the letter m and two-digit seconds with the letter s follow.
10h05
